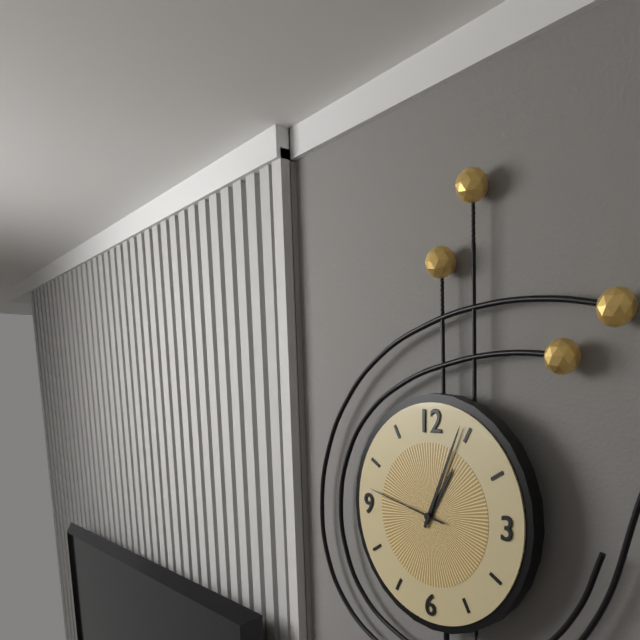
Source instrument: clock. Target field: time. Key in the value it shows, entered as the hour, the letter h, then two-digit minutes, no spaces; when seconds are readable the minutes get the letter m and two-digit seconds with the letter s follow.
1h04m47s
